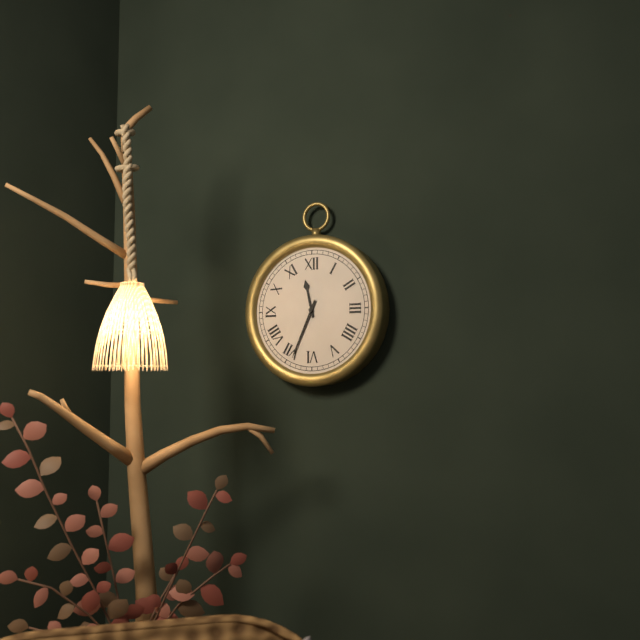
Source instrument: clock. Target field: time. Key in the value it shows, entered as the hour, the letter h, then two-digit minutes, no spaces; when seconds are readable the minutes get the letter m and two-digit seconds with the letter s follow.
11h34
